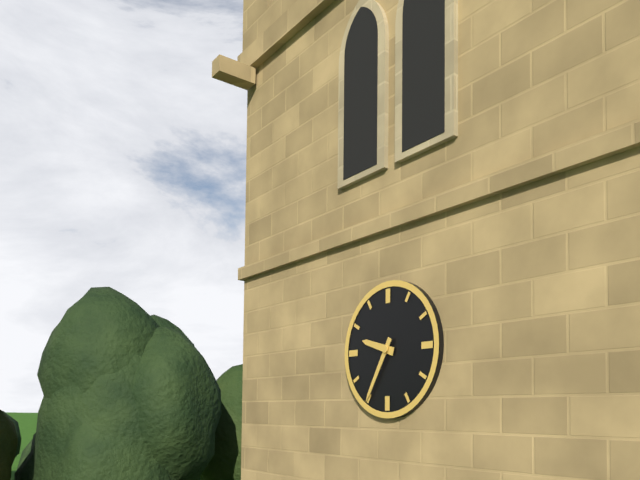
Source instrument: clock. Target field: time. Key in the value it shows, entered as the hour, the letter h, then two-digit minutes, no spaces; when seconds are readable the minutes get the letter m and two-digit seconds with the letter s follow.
9h35
